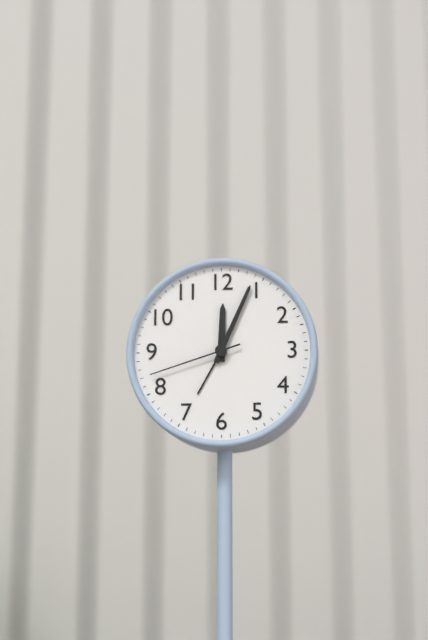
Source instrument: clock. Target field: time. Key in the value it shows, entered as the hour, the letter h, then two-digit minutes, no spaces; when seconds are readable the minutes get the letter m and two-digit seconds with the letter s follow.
12h04m42s
